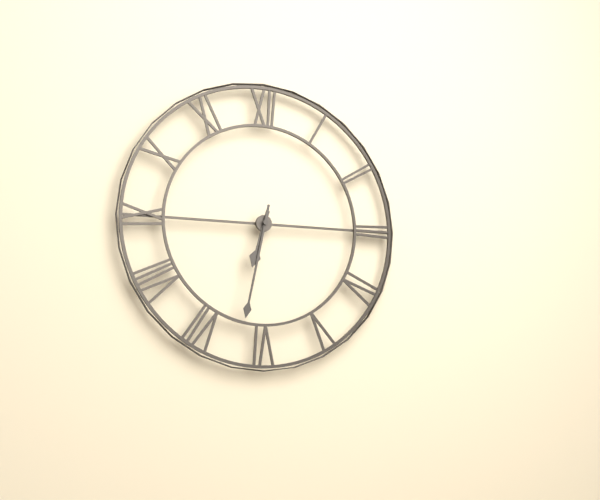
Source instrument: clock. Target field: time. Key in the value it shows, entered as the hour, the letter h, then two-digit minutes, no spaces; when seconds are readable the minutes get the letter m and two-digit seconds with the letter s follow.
6h32
